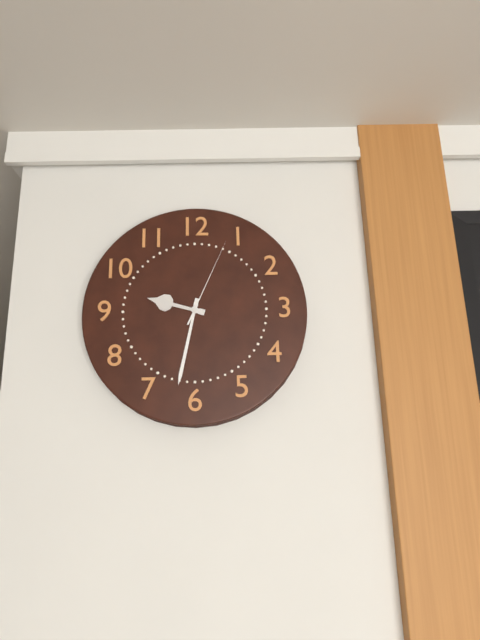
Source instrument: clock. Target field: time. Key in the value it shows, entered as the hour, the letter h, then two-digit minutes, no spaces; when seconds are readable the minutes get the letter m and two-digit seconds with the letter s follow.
9h32m04s
